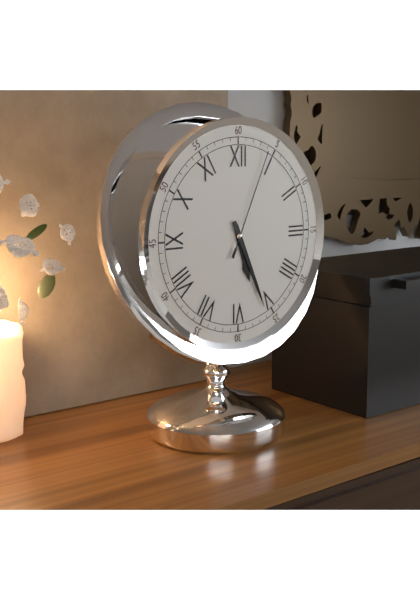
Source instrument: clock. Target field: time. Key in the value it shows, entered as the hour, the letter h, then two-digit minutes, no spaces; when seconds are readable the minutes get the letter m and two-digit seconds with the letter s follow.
5h26m04s
